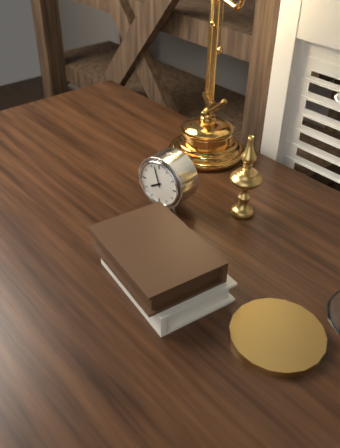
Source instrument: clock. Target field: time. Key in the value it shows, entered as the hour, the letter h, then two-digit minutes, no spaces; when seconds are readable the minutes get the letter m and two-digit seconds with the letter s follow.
7h57
